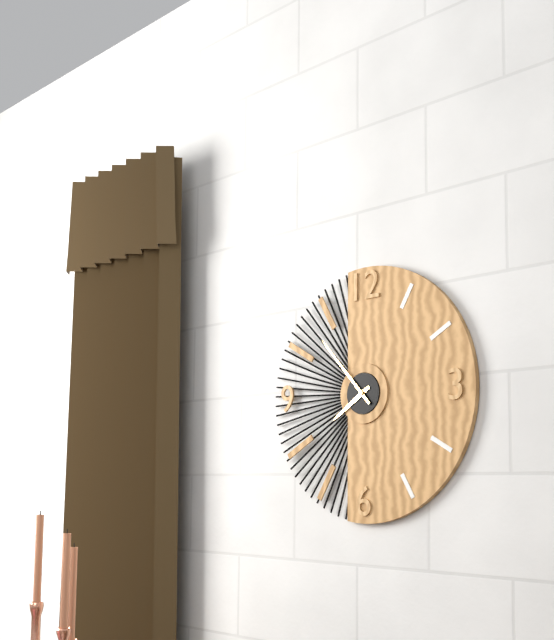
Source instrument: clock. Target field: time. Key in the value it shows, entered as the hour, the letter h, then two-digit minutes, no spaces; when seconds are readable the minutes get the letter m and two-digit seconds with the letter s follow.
7h53
